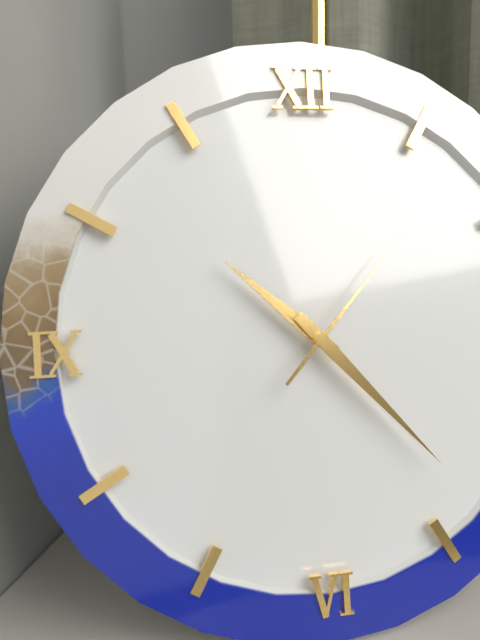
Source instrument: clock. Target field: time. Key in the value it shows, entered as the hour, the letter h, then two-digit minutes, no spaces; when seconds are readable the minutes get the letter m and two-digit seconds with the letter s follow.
10h23m07s
